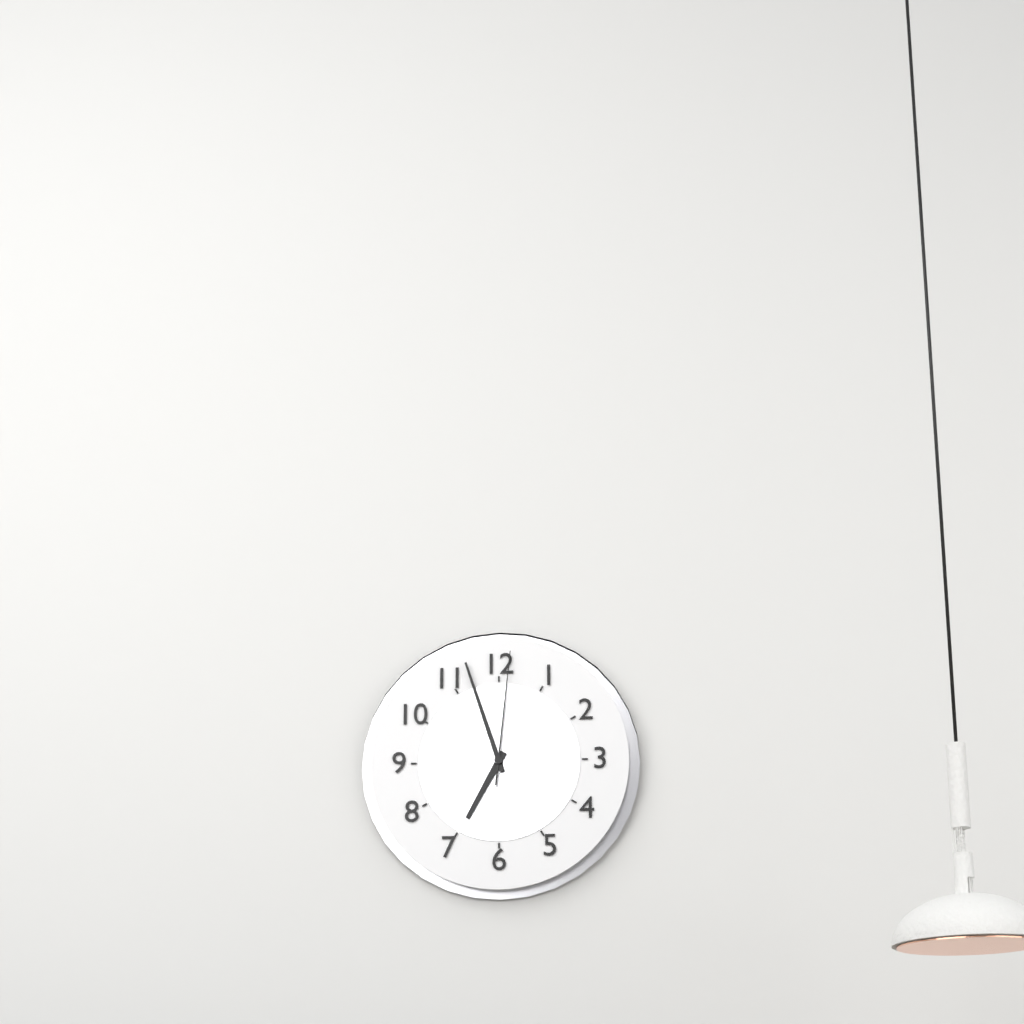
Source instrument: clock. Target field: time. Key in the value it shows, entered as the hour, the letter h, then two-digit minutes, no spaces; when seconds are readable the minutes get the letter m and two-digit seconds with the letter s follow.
6h57m01s
